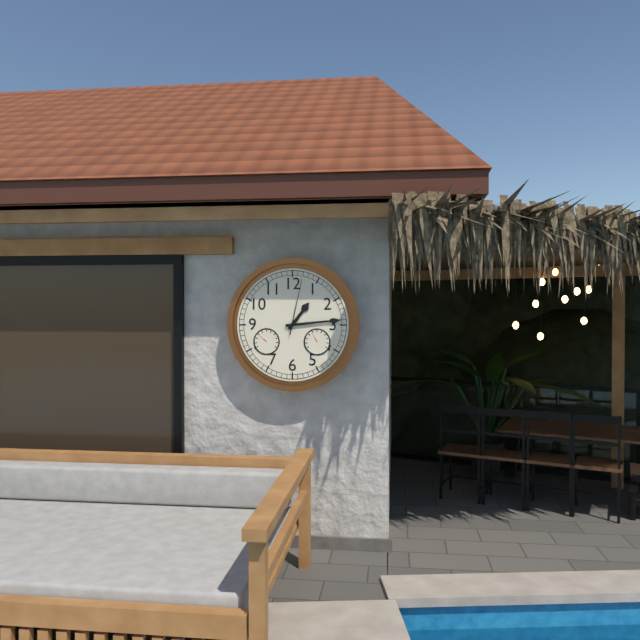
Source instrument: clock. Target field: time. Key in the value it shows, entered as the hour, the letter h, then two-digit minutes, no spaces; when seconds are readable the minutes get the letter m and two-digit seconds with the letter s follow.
1h14m02s
